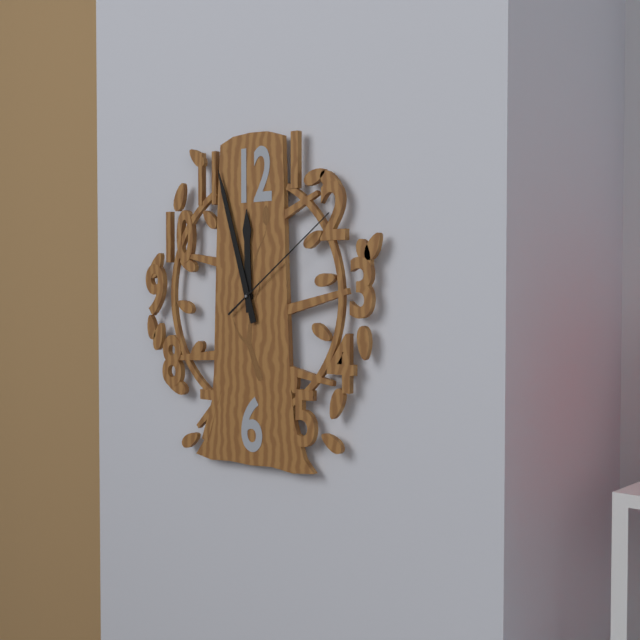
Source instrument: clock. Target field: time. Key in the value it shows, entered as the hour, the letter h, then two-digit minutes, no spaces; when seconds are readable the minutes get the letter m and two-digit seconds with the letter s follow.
11h57m09s
